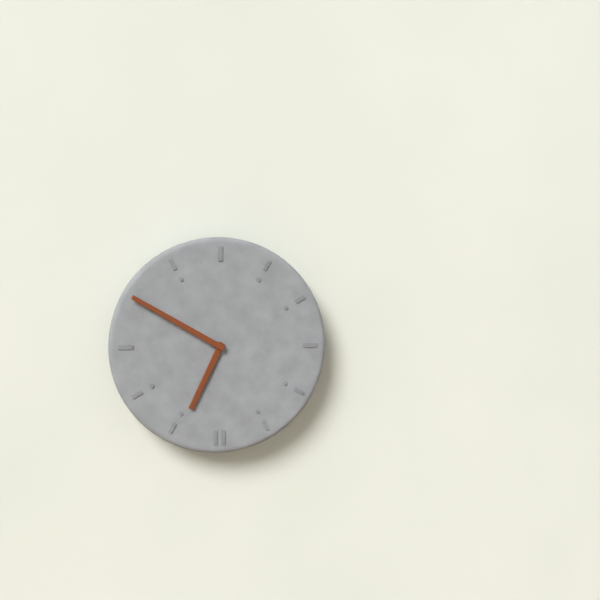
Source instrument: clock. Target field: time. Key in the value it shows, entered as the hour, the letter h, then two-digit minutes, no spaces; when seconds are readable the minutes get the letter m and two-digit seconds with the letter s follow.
6h50
